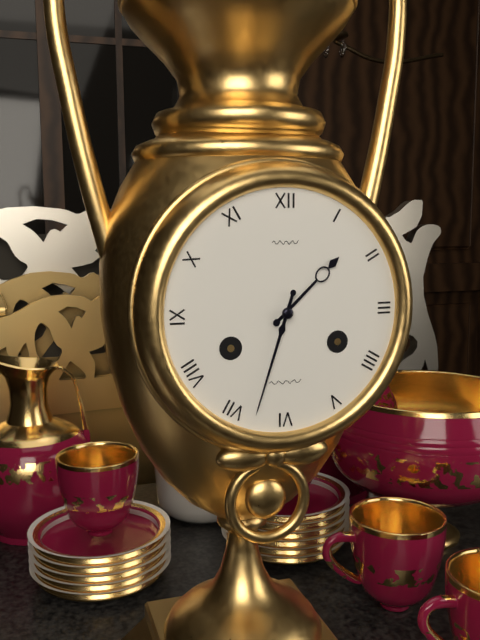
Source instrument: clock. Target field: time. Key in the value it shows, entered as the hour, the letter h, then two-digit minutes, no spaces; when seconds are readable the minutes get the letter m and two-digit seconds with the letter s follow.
1h33
